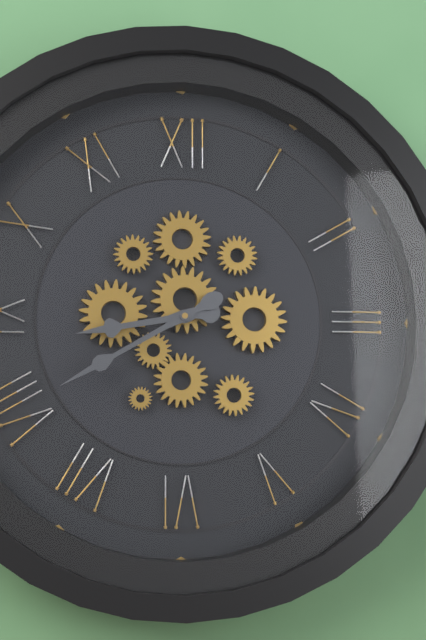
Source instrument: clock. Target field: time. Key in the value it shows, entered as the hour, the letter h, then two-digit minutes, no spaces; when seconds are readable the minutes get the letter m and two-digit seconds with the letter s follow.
8h40
